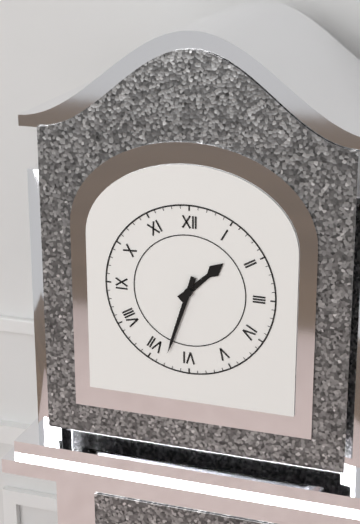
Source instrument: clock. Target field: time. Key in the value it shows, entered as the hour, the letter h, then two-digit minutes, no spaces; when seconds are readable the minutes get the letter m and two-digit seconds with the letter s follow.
1h33
